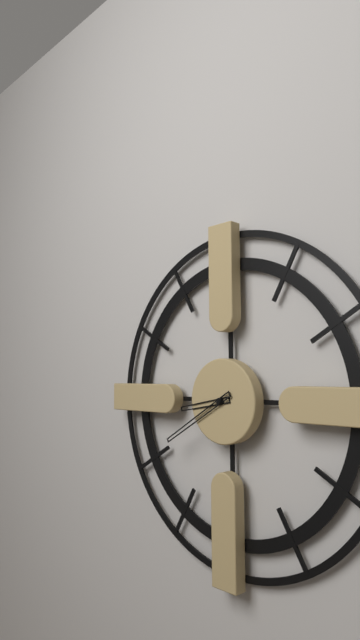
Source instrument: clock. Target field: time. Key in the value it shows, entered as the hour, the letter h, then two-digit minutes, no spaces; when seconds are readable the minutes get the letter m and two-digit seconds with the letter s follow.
8h40
